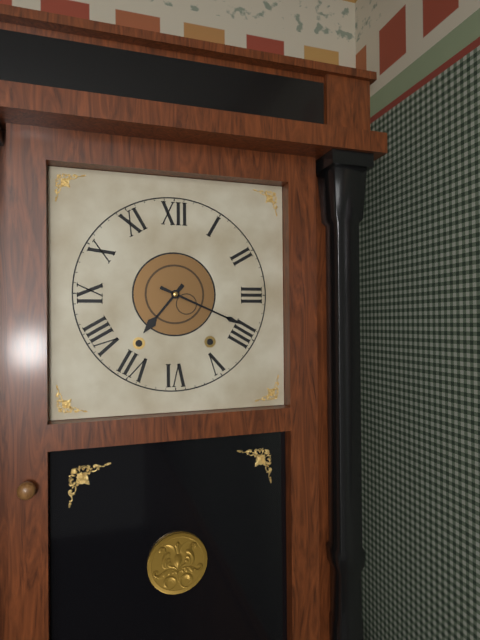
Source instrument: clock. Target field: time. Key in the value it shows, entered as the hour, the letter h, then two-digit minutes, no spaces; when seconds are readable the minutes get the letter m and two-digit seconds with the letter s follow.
7h19
